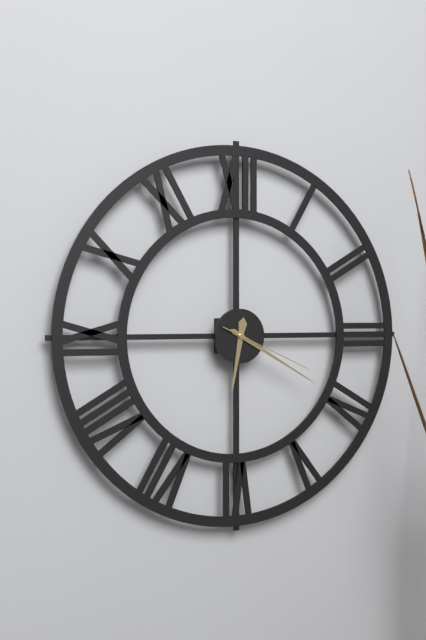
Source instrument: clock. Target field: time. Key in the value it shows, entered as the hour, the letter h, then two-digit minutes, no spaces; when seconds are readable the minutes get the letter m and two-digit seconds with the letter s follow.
6h20m19s
